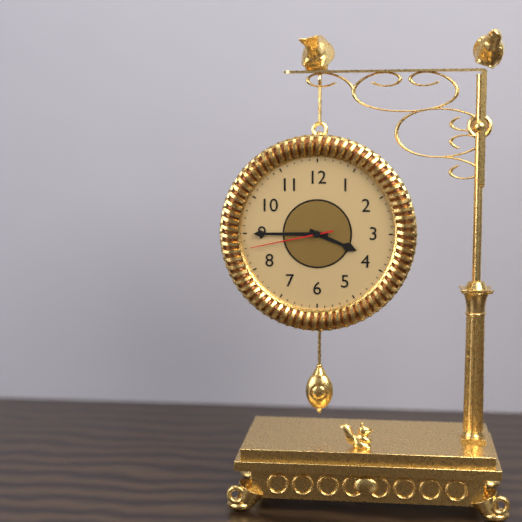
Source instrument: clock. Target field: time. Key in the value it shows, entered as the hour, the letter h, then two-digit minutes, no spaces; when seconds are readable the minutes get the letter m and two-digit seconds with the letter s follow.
3h45m43s
